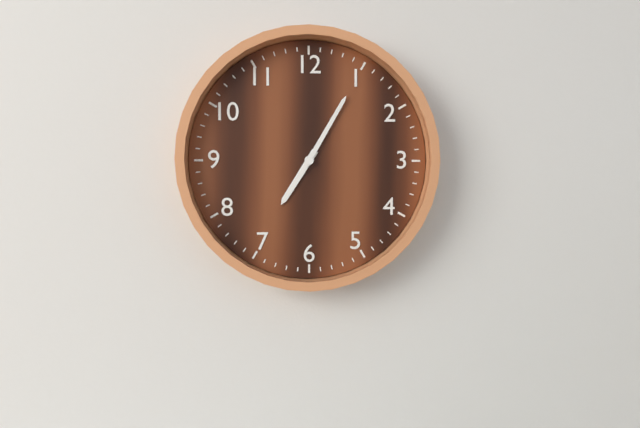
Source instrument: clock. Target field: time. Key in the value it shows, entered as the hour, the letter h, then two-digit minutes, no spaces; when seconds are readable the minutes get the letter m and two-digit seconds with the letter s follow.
7h05
